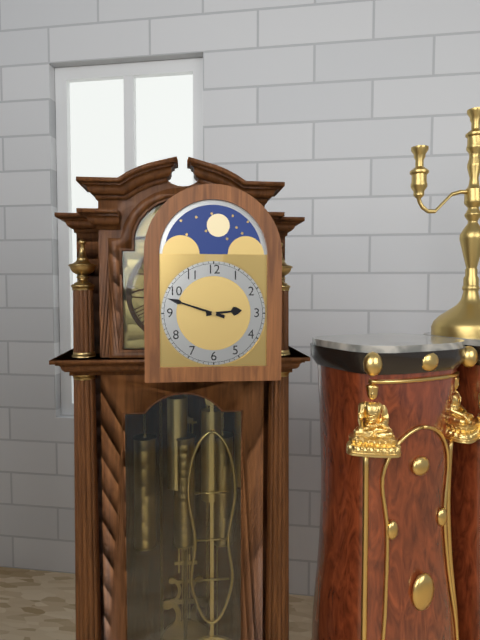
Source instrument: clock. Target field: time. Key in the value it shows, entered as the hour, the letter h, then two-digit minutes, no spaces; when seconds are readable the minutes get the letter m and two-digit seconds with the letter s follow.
2h48
